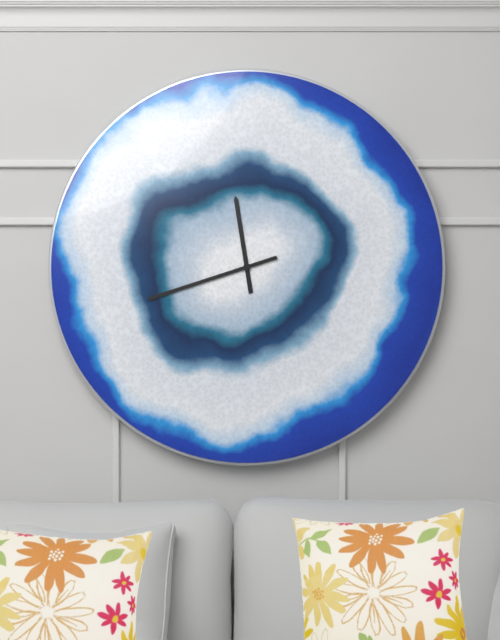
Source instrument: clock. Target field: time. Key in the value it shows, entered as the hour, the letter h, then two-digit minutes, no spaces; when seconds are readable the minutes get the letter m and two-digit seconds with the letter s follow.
11h42
